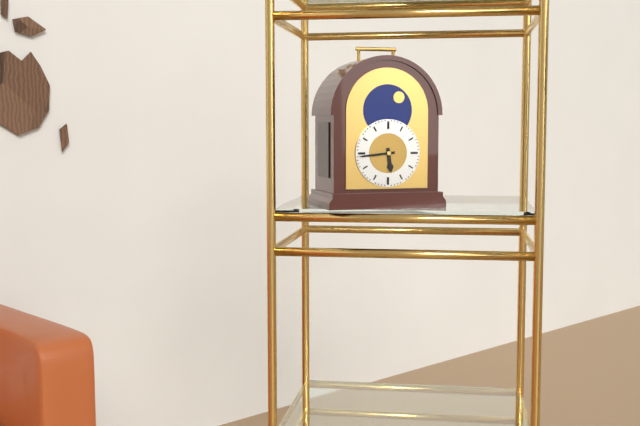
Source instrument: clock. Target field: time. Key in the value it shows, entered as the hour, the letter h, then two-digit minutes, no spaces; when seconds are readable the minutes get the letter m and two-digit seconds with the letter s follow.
5h44
